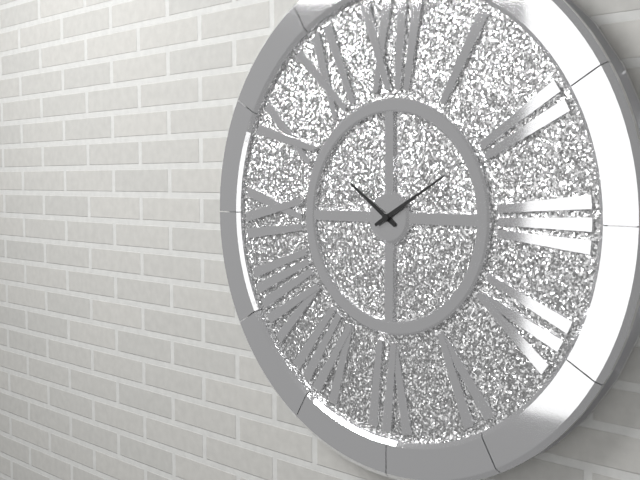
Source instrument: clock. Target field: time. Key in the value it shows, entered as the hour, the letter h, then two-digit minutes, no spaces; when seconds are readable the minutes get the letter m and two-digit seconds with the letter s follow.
10h10
